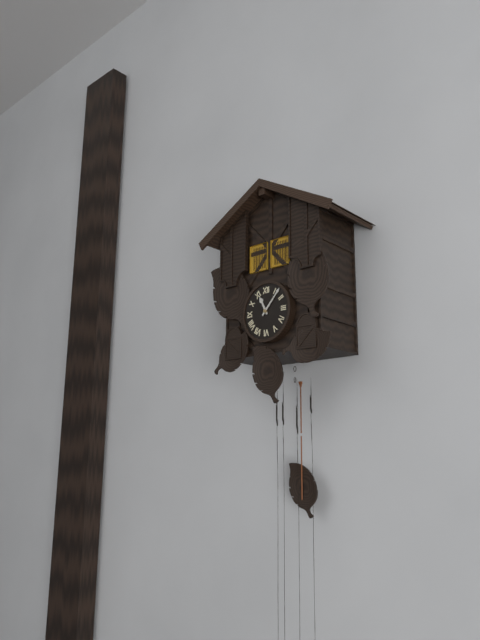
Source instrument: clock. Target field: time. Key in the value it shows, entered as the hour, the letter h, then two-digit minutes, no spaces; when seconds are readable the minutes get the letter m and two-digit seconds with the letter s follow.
11h07
